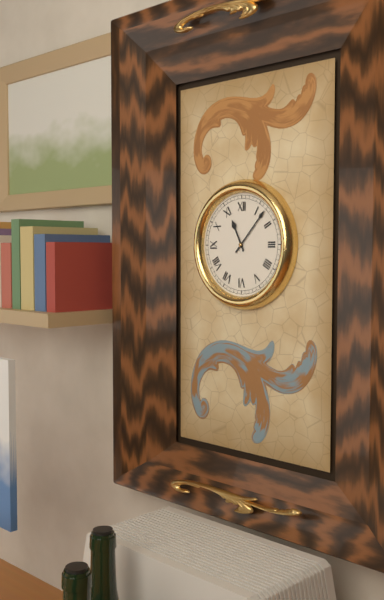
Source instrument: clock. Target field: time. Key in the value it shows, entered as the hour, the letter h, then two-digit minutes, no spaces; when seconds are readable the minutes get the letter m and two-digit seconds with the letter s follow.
11h07
